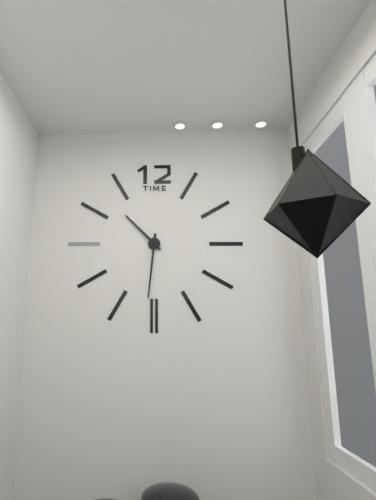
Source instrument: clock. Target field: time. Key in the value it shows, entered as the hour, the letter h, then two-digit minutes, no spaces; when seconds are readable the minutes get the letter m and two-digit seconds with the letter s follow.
10h31
